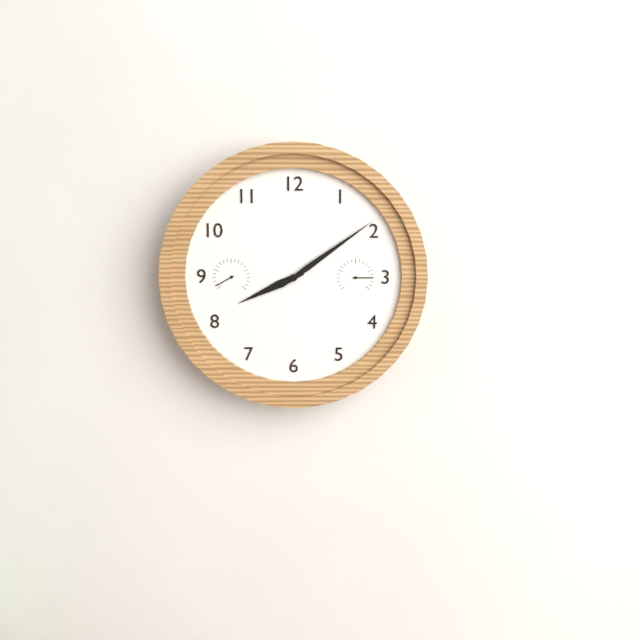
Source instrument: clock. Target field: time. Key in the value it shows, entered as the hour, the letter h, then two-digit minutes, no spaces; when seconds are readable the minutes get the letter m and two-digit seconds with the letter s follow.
8h09
